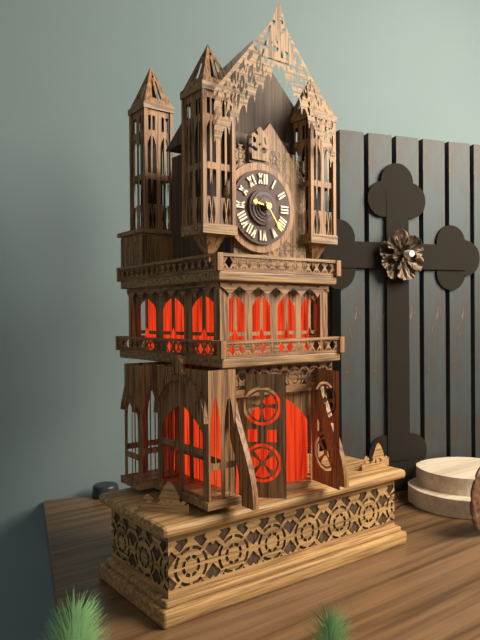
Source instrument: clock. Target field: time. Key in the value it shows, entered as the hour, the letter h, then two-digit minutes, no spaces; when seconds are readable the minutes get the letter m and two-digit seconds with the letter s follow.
9h24
